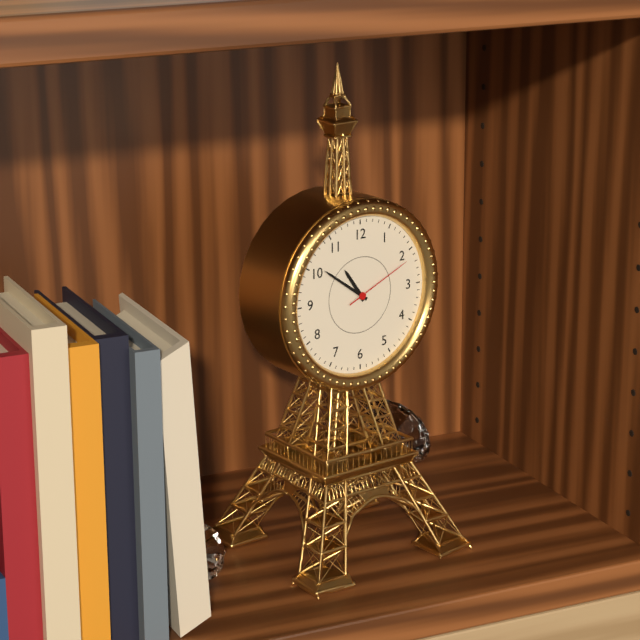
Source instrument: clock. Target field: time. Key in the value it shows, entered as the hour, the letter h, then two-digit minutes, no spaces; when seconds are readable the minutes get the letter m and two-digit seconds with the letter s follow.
10h51m11s
